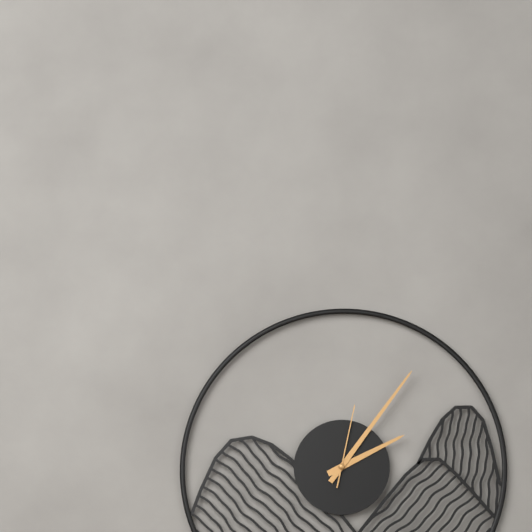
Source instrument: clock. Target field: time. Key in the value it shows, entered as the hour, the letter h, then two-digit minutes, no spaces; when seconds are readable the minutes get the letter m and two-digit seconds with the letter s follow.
2h06m02s
